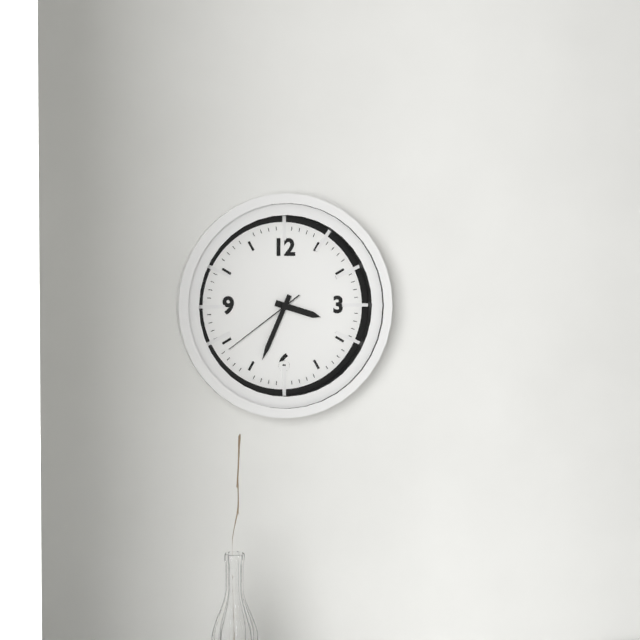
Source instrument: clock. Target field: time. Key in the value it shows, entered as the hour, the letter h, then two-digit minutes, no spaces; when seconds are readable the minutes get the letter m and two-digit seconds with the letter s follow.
3h34m39s
